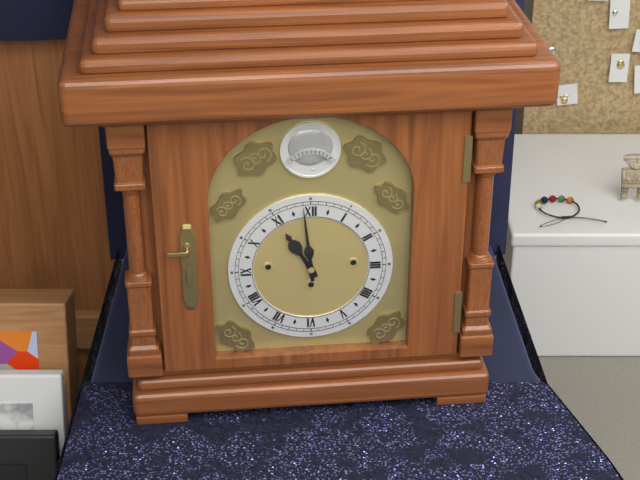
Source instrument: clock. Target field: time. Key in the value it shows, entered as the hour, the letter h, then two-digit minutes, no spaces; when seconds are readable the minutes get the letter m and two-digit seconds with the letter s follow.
10h59
